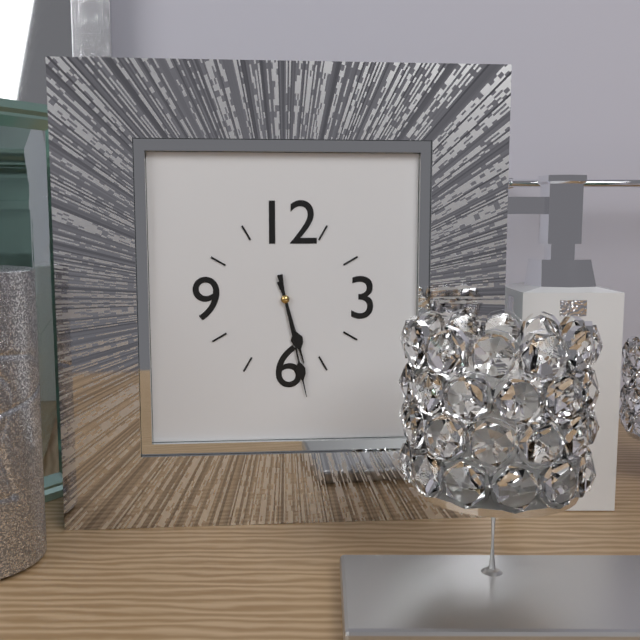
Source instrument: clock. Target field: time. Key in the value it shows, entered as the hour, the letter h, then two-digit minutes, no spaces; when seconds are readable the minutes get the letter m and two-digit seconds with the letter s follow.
5h28
